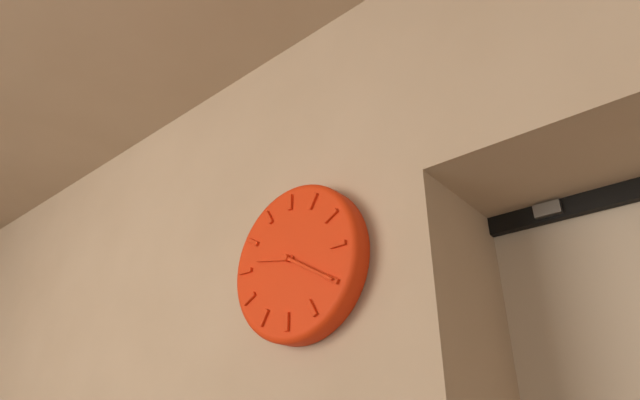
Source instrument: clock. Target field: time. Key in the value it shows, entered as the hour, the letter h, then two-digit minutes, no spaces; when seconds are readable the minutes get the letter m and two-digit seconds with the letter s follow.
9h20
